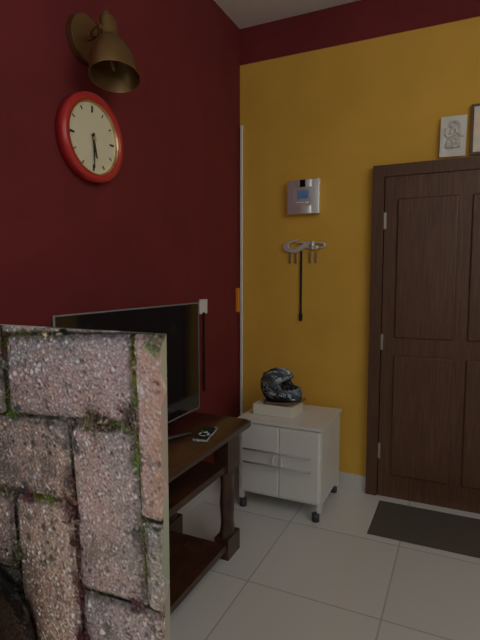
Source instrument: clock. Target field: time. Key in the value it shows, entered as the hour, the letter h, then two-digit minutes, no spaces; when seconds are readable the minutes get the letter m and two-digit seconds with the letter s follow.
5h30
